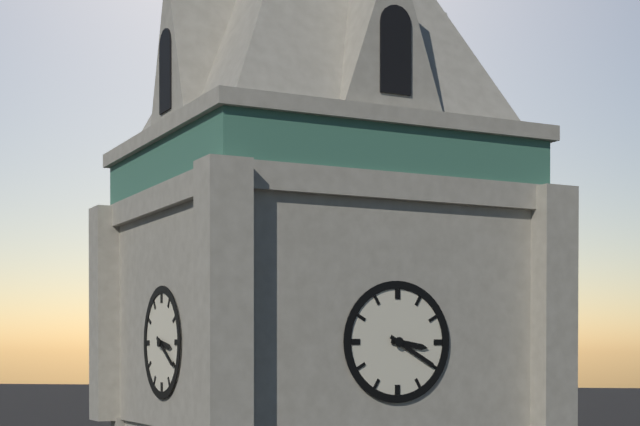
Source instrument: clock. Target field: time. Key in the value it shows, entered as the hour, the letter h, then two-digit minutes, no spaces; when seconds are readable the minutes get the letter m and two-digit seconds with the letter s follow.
3h20
